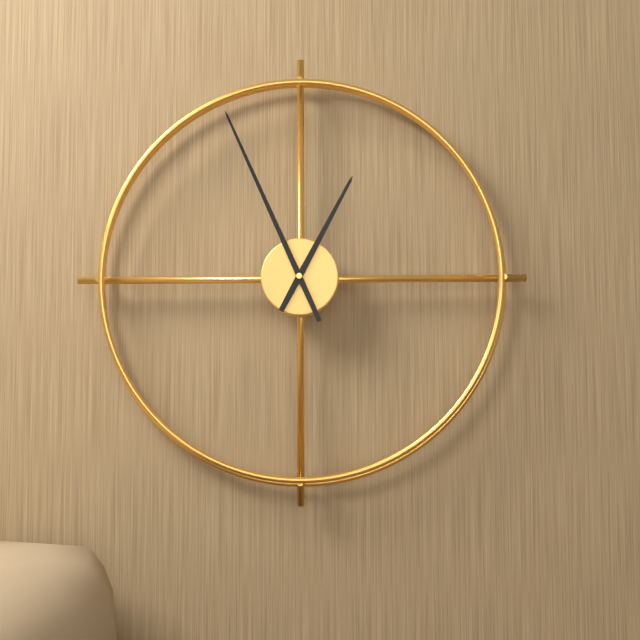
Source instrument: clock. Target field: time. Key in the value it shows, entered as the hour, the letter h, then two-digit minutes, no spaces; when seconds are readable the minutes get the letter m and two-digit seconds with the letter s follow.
12h56
